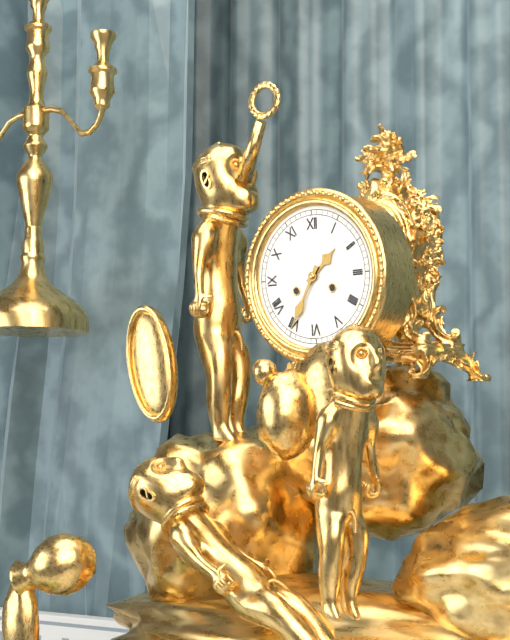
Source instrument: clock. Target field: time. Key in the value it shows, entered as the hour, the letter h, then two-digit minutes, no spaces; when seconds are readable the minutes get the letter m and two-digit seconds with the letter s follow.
1h35
